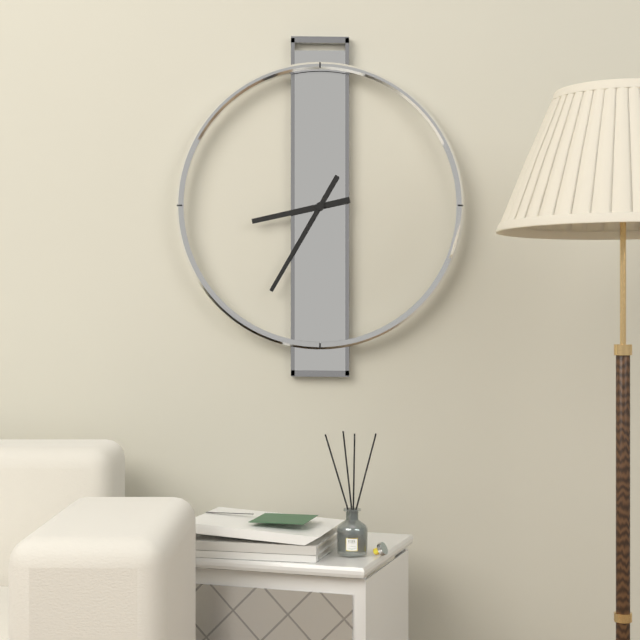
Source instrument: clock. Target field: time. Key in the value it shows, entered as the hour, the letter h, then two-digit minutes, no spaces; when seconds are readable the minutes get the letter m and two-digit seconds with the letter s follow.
8h35
